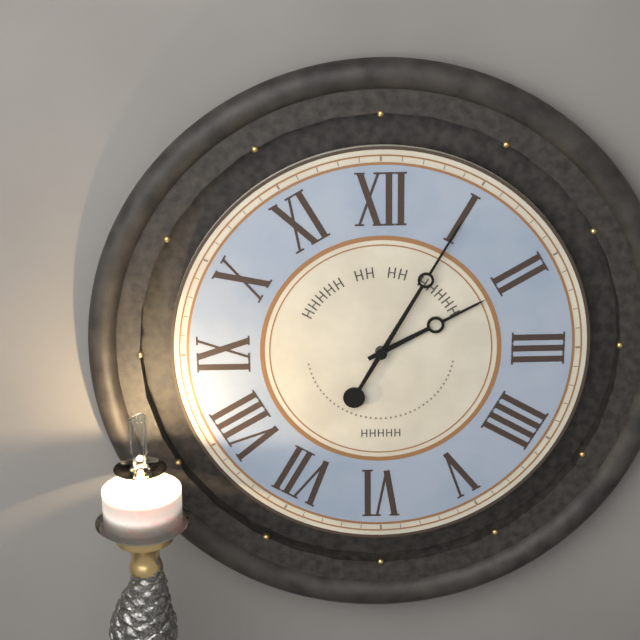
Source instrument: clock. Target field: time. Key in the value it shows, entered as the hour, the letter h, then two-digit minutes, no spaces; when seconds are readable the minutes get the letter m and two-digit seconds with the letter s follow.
2h05
